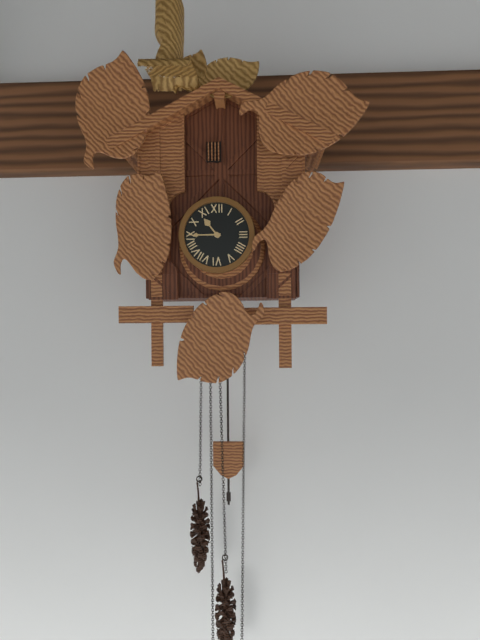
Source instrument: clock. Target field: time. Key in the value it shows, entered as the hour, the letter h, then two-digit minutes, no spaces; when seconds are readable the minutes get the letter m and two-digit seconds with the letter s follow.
10h45
